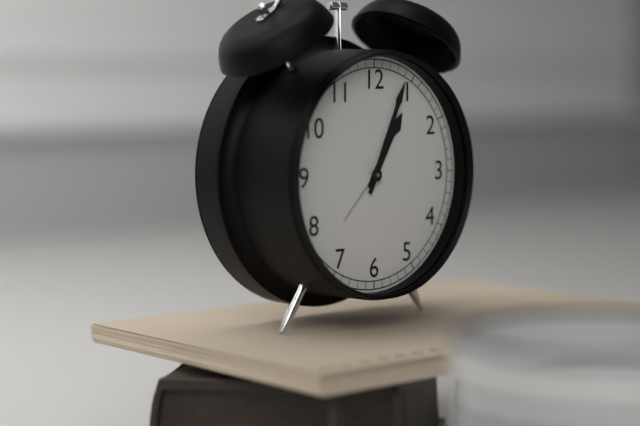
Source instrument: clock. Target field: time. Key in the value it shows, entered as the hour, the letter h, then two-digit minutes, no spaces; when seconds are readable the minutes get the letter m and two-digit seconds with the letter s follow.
1h04
